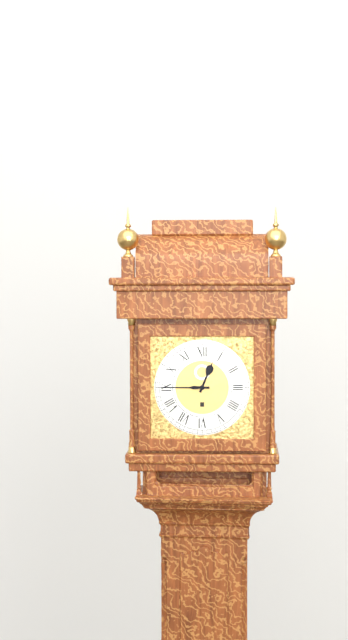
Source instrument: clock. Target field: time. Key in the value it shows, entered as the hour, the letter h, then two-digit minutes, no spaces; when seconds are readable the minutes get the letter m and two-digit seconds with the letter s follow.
12h45
